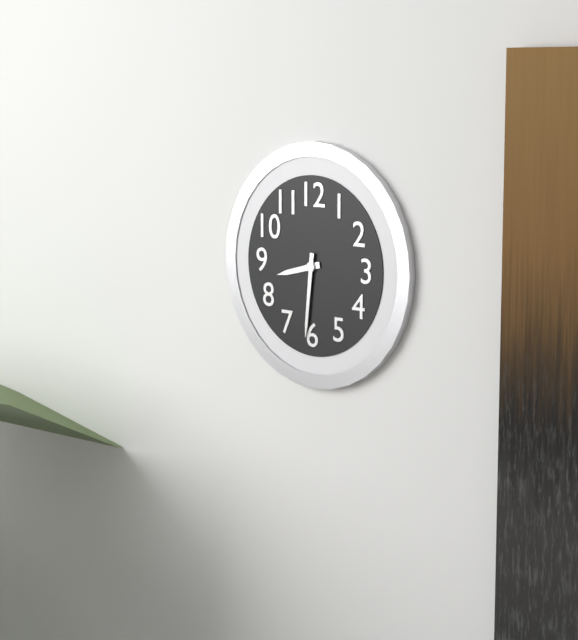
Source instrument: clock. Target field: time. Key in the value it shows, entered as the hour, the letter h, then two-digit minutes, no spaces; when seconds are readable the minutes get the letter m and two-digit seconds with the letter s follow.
8h31
